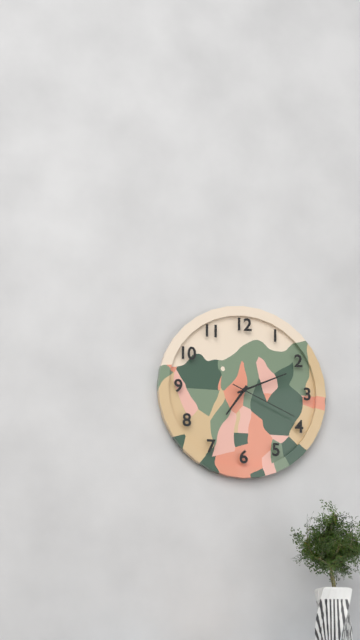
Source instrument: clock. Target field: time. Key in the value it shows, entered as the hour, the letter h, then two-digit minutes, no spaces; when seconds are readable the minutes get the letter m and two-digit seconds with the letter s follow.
7h11m19s
